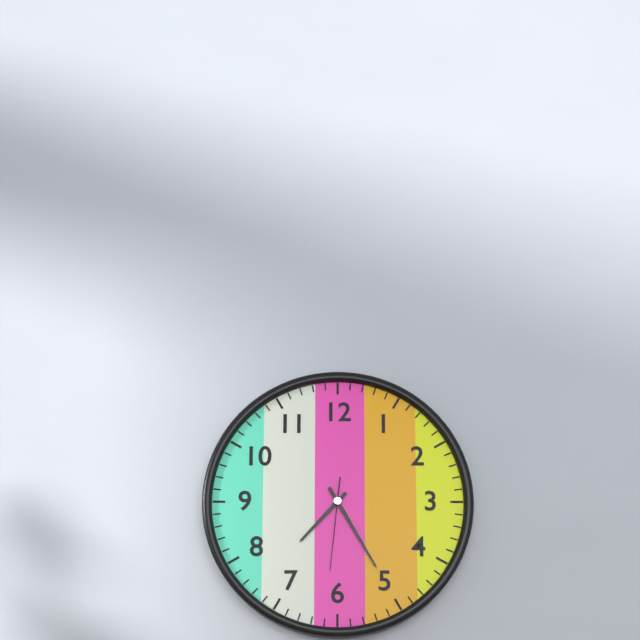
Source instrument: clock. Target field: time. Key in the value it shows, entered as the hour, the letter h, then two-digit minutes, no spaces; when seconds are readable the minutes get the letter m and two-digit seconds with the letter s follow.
7h25m31s
